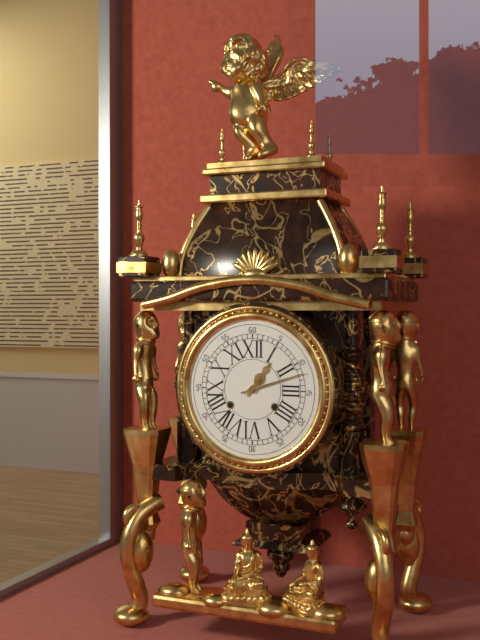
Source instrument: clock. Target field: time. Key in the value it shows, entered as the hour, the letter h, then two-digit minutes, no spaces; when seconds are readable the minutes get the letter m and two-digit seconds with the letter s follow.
1h12
